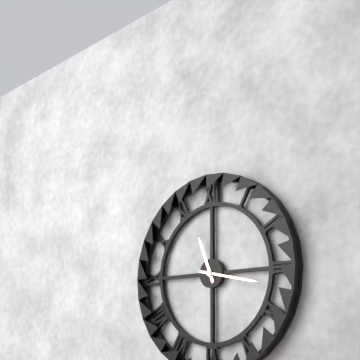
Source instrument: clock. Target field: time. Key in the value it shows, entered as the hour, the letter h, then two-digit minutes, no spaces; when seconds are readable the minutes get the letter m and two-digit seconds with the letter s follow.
11h17
